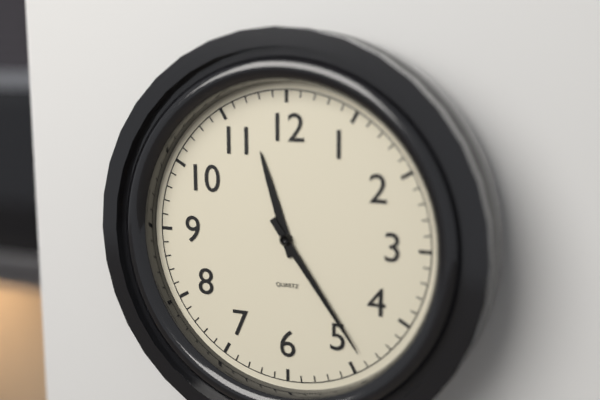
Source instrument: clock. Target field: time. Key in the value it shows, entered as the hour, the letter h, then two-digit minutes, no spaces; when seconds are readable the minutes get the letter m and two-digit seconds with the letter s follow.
11h24
